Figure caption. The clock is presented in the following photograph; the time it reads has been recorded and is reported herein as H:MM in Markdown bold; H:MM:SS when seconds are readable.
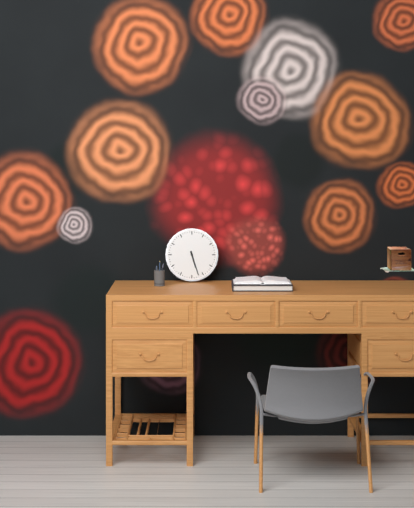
**5:27**
